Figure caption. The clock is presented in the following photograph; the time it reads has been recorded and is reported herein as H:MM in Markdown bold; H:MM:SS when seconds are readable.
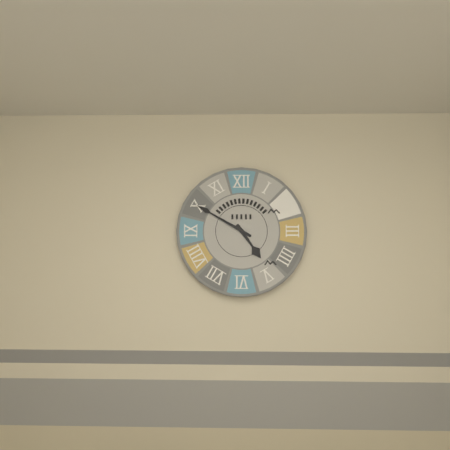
**4:50**
